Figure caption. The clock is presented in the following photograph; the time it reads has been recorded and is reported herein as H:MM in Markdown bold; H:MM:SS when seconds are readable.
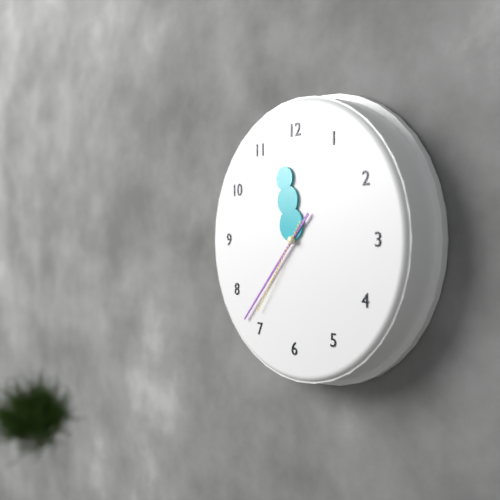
**11:37:36**
